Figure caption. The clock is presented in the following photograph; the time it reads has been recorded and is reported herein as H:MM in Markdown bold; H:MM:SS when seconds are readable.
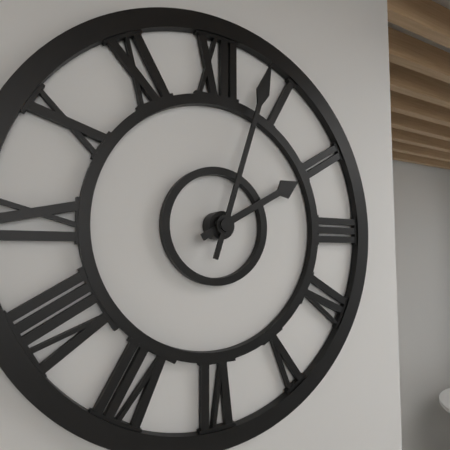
**2:03**
